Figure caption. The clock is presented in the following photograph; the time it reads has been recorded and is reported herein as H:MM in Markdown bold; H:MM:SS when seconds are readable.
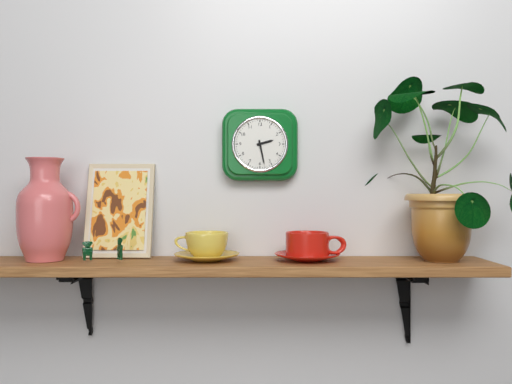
**2:28**
